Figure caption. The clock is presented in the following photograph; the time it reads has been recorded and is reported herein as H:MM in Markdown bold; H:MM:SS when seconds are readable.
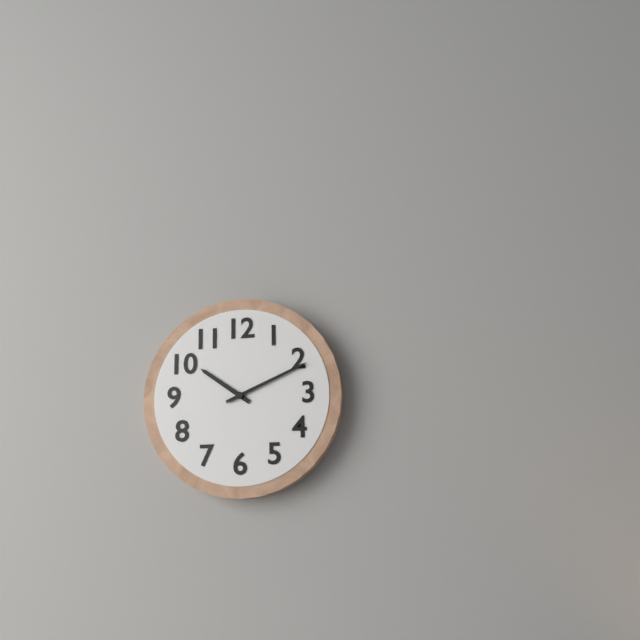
**10:11**
